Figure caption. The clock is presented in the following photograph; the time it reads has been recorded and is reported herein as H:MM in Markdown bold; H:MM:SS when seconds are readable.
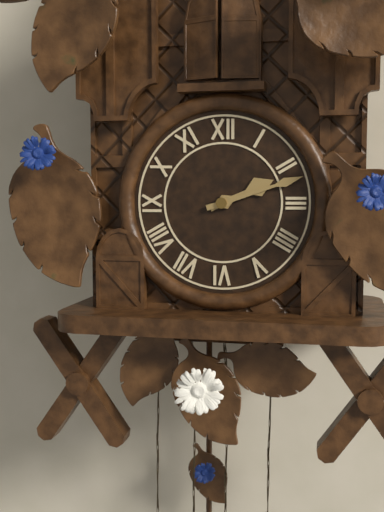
**2:12**
